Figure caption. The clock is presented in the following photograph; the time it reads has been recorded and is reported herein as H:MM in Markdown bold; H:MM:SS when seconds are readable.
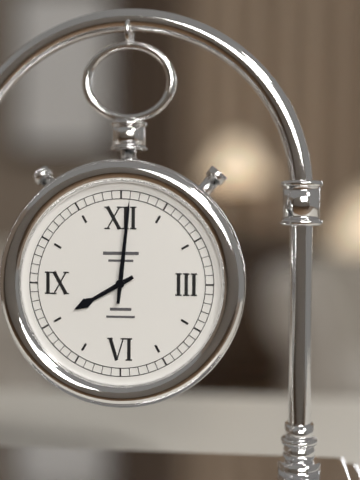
**8:01**
